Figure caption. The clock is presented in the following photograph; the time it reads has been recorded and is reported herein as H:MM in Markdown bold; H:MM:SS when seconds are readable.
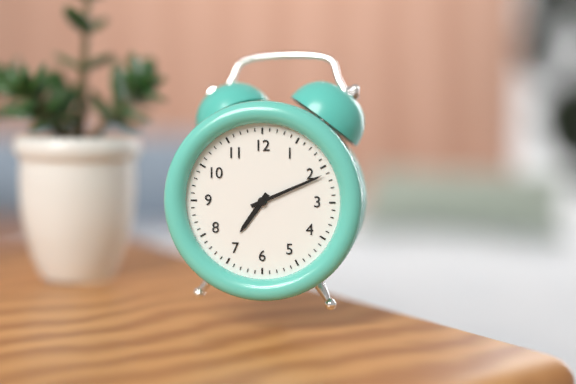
**7:11**
